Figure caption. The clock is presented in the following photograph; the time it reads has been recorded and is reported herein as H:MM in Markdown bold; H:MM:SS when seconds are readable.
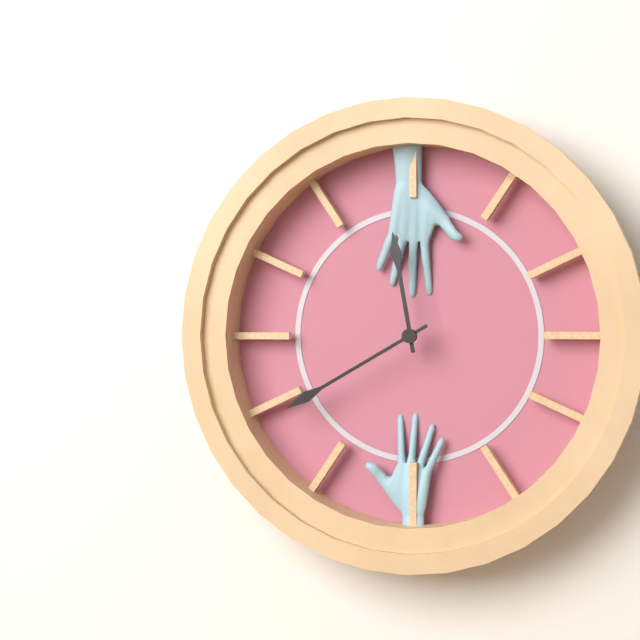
**11:40**
